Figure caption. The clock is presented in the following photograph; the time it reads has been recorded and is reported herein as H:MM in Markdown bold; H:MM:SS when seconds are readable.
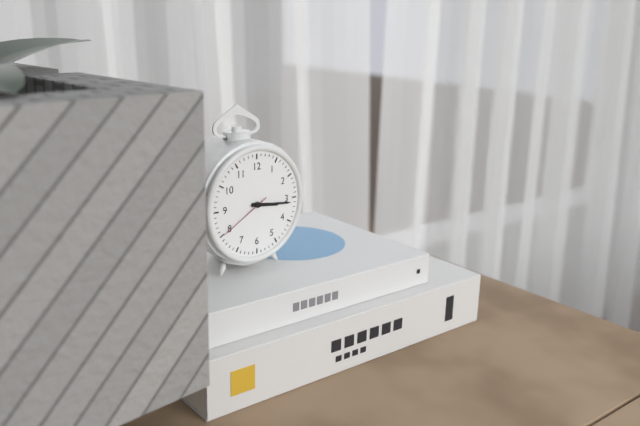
**3:16:40**
